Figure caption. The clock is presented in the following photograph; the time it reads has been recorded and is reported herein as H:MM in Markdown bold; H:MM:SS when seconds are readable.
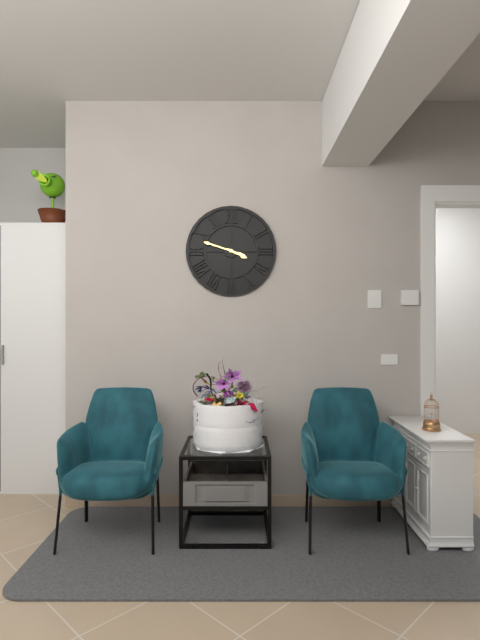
**3:48**
